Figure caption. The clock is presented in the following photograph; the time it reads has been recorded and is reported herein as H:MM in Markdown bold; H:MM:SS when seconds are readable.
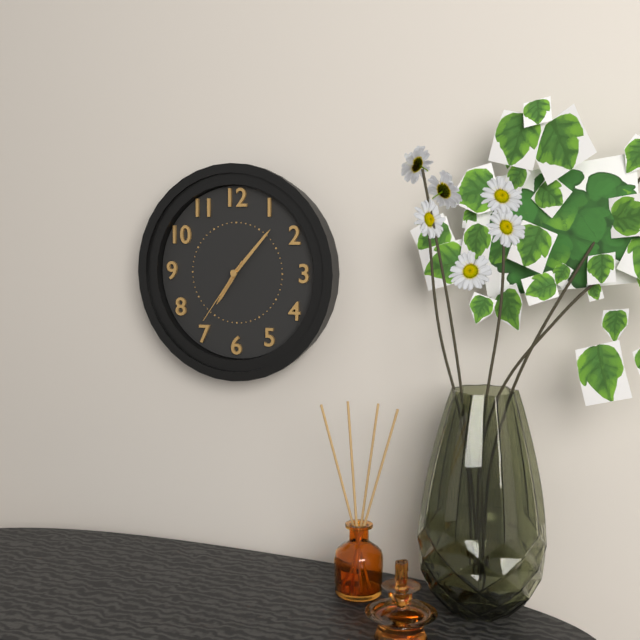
**7:07:36**
